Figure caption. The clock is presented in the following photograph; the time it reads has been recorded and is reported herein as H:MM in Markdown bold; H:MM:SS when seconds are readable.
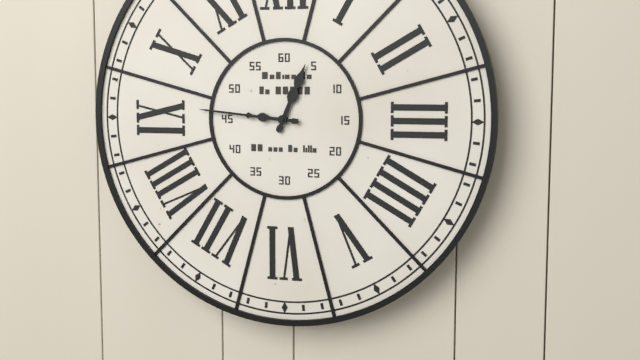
**12:46**
